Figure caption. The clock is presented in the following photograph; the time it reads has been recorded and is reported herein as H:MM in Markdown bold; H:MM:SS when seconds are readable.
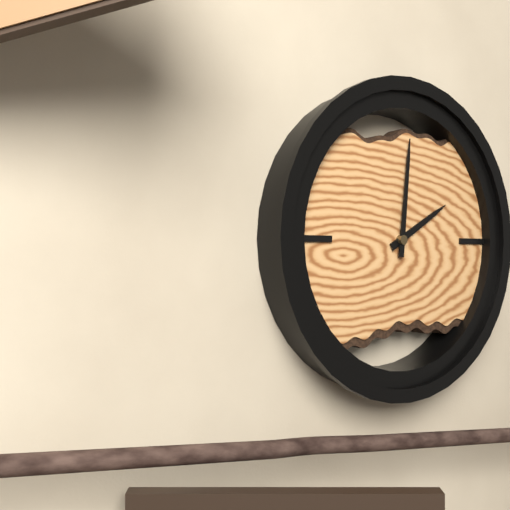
**2:01**
